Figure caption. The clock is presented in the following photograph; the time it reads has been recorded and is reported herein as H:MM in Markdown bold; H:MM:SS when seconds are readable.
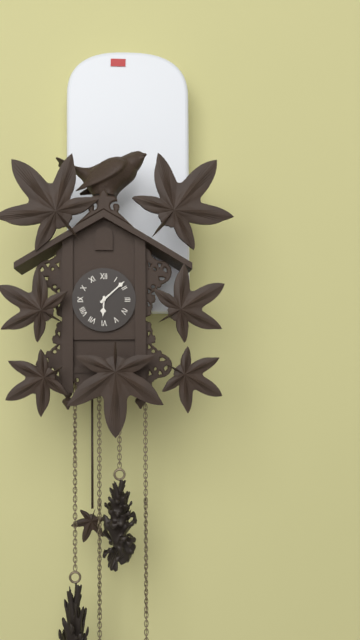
**6:08**
